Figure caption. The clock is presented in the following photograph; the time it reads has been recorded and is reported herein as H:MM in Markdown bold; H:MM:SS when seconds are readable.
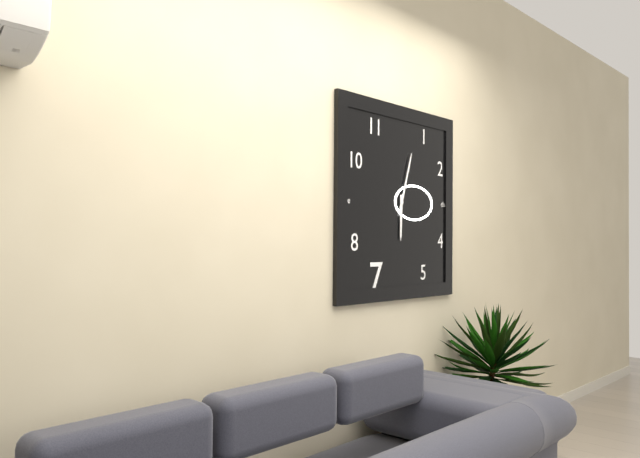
**6:03**
